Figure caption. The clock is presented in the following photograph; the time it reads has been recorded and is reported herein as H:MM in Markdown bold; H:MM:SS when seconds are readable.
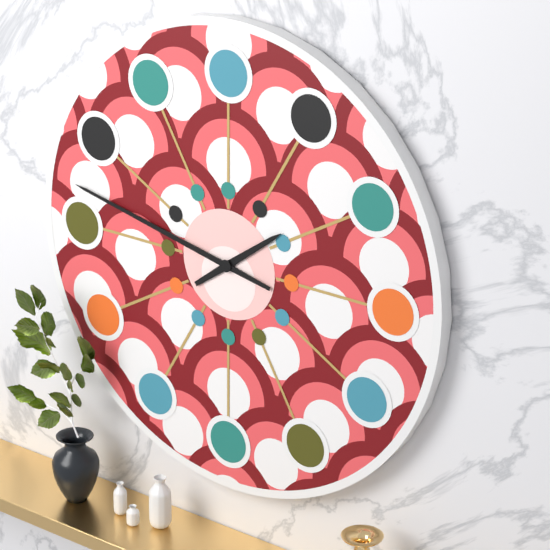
**1:47**
